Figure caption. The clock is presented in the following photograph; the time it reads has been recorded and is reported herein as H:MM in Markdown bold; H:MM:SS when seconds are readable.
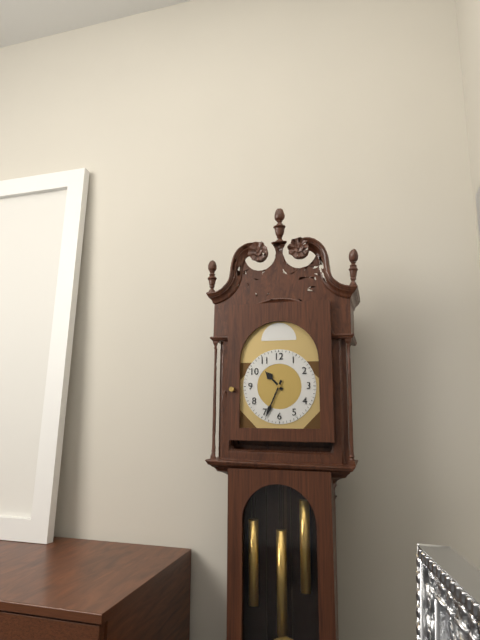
**10:34**
